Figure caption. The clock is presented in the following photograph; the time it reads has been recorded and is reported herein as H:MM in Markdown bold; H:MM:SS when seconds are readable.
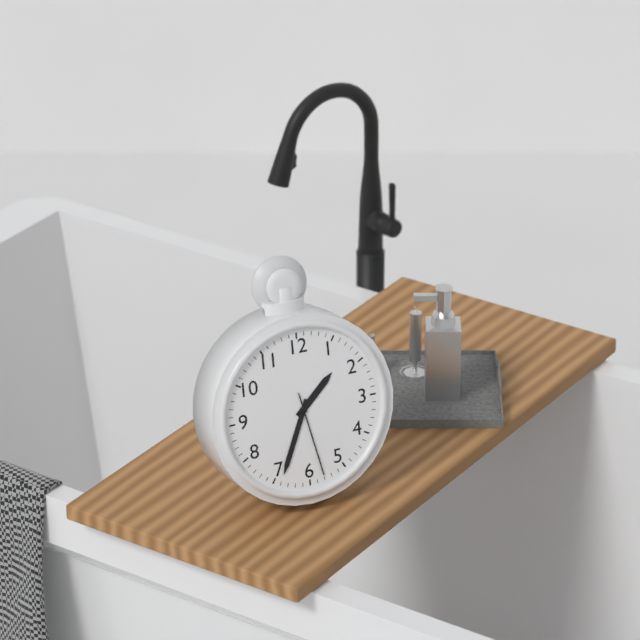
**1:34:28**
